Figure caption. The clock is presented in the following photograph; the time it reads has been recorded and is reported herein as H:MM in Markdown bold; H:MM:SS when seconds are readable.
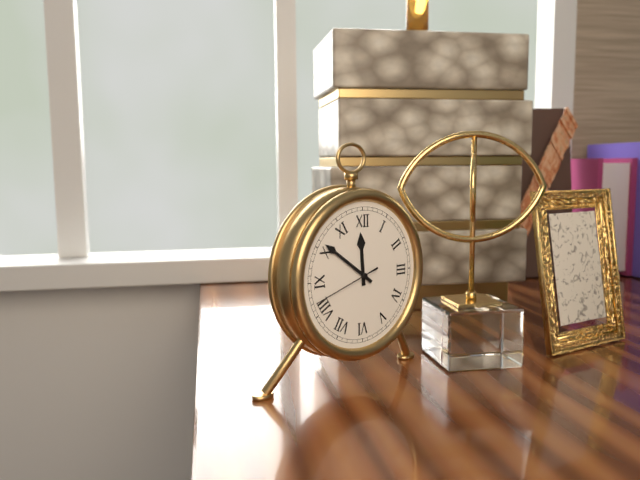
**11:51:42**
